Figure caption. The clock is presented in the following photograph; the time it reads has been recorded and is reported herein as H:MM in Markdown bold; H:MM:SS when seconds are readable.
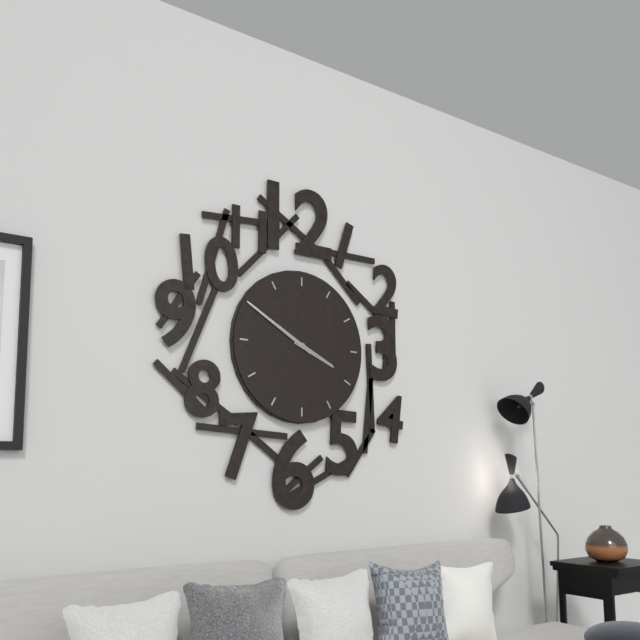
**3:50**
